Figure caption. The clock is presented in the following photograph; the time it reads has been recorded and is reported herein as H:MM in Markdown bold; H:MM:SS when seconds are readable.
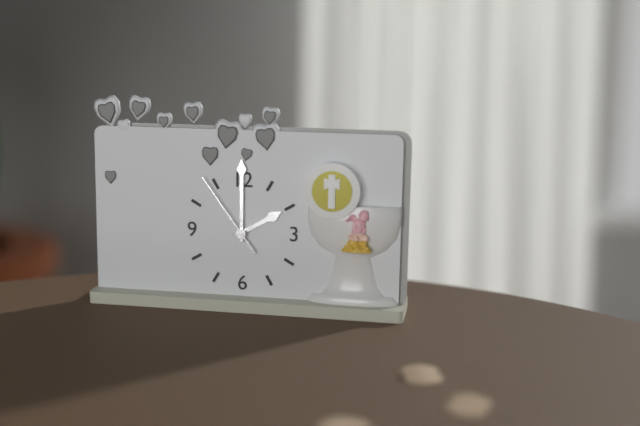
**2:00:54**
